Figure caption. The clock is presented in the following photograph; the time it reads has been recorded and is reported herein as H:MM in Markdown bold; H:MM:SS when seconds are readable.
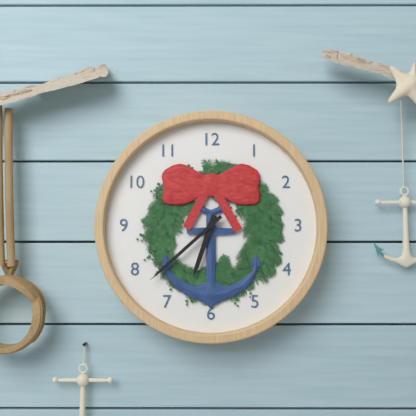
**6:38**
